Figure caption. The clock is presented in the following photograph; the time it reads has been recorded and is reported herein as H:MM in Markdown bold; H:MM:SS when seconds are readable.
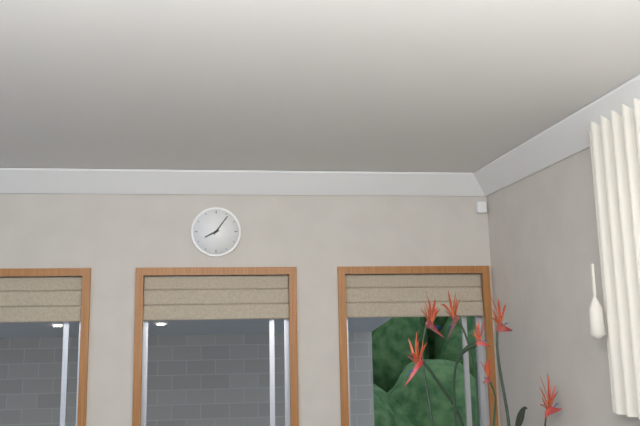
**8:06**
